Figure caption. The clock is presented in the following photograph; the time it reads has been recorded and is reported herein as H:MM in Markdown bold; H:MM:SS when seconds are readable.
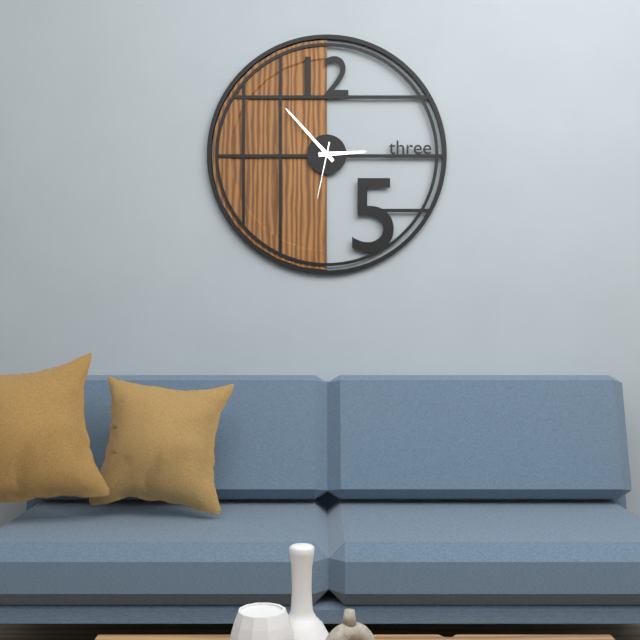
**2:53:32**
